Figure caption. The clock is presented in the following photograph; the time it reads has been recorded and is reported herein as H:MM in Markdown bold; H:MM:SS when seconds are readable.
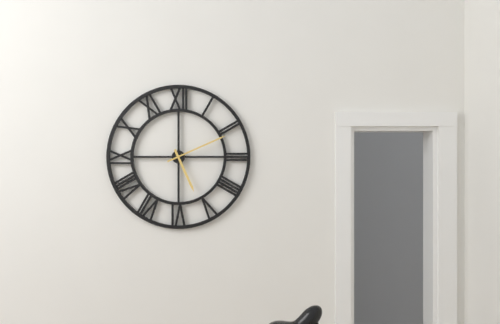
**5:11**
